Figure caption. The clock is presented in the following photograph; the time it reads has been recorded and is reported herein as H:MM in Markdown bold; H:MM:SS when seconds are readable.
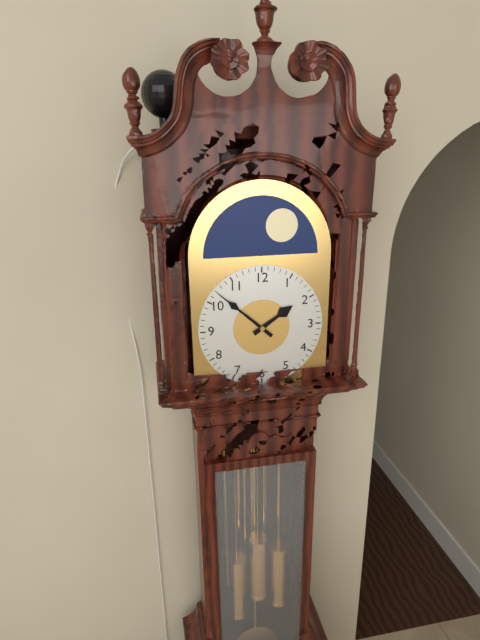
**1:52**
